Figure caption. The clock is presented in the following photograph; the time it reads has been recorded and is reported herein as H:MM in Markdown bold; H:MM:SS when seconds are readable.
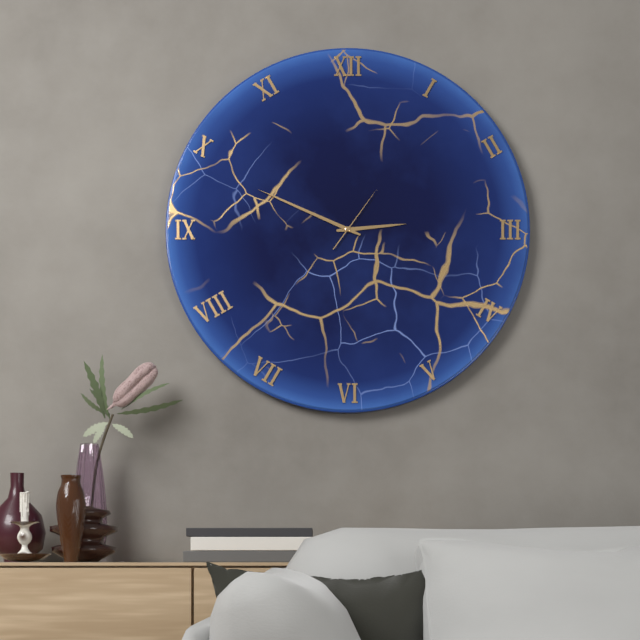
**2:49:06**
